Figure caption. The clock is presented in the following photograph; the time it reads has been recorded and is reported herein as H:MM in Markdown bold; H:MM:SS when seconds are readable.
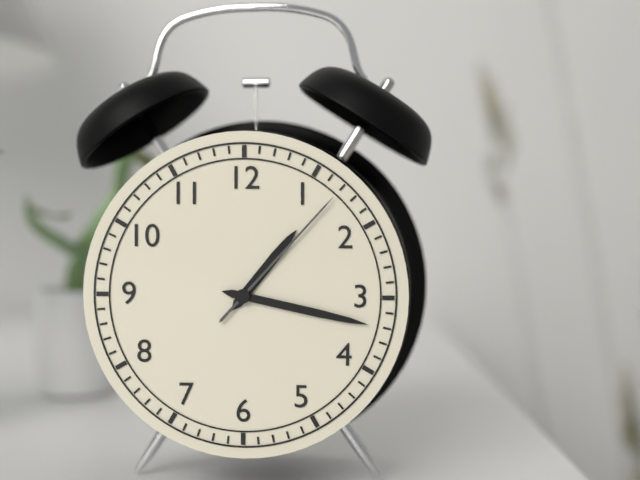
**1:17:07**
